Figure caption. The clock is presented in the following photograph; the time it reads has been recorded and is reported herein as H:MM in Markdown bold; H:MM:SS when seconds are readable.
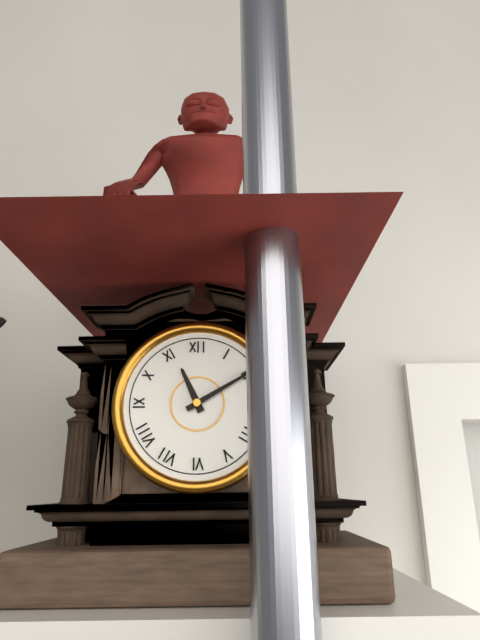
**11:10**
